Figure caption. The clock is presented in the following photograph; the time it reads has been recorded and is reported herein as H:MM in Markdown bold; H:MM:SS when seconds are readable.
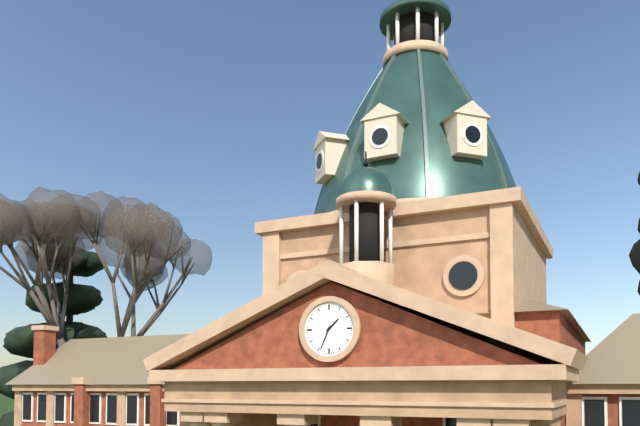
**1:34**
